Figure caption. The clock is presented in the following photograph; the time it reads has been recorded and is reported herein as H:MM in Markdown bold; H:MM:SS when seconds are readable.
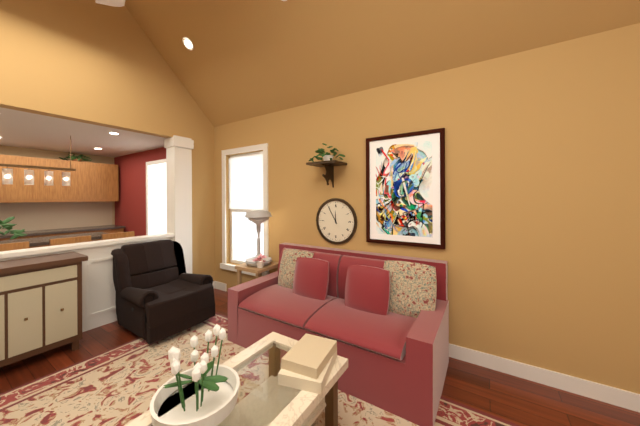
**11:55**
